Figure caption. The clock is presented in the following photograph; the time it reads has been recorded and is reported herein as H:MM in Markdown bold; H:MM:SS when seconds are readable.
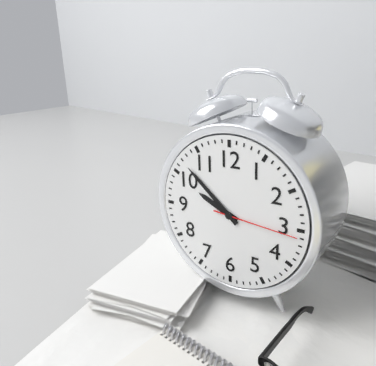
**9:52:16**
